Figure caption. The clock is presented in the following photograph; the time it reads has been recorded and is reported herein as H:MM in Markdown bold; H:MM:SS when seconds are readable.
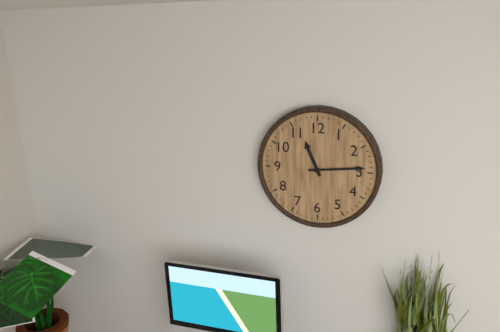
**11:14**
